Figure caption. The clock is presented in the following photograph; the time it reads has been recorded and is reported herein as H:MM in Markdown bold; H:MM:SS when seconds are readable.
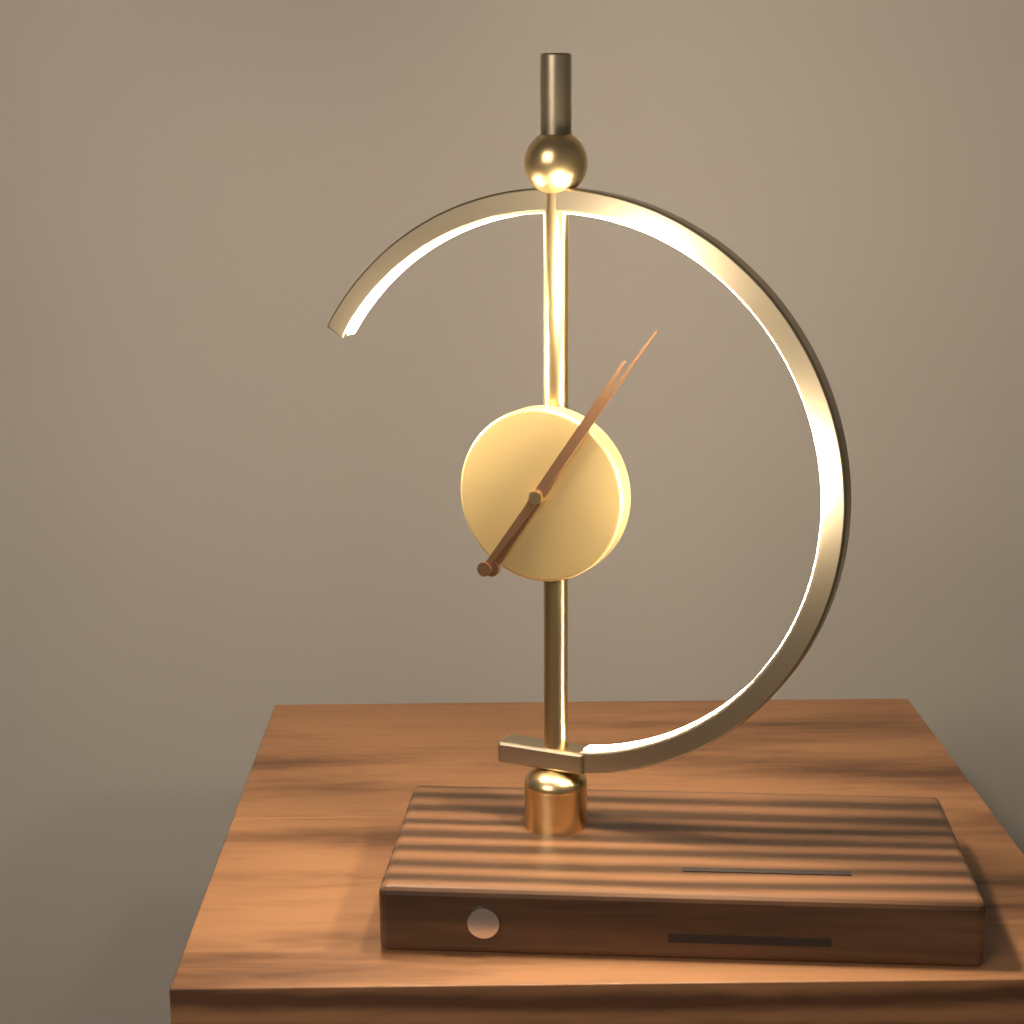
**1:06**
